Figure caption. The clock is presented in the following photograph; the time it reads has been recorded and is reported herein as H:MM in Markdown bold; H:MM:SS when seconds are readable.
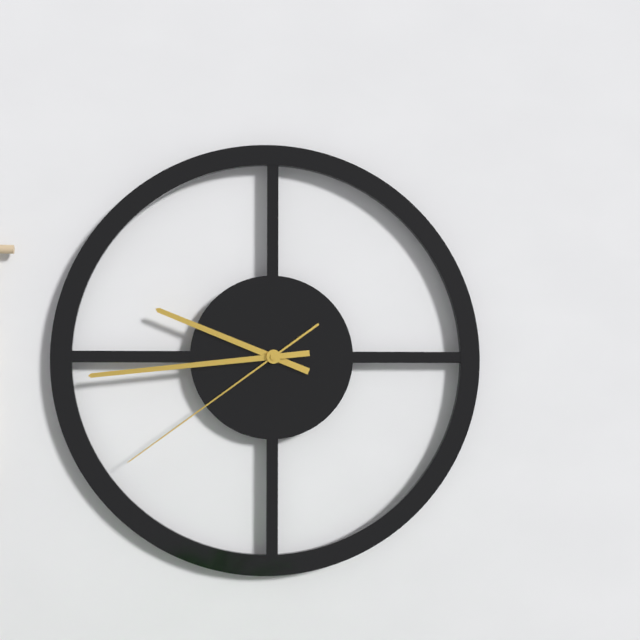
**9:44:39**
